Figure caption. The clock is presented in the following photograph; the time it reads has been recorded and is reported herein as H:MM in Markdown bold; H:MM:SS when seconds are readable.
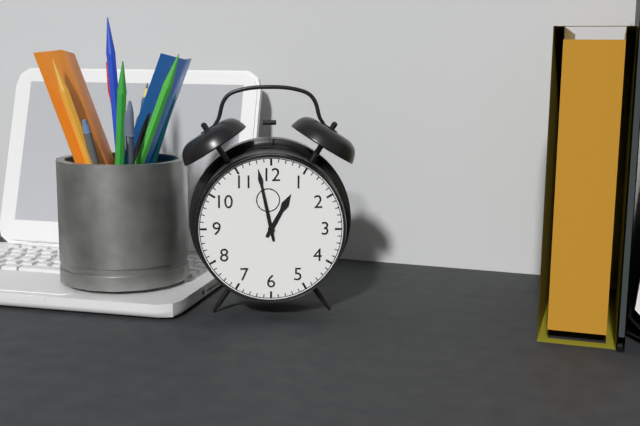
**12:58**
